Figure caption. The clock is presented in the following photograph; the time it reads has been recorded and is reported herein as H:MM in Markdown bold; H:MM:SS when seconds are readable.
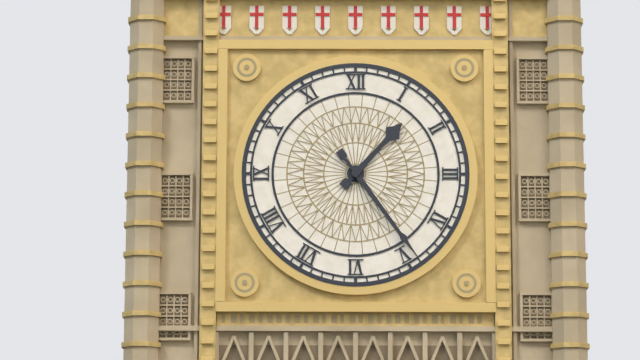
**1:24**
